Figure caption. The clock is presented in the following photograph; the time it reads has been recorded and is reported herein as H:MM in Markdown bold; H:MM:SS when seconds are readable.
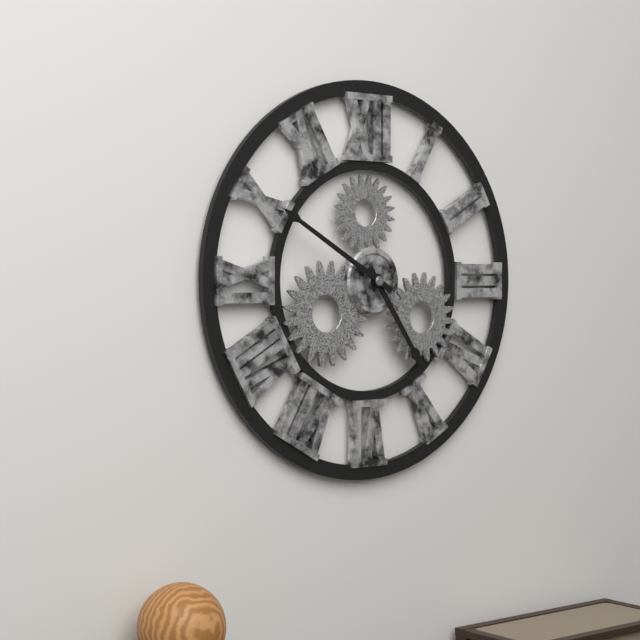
**4:50**
